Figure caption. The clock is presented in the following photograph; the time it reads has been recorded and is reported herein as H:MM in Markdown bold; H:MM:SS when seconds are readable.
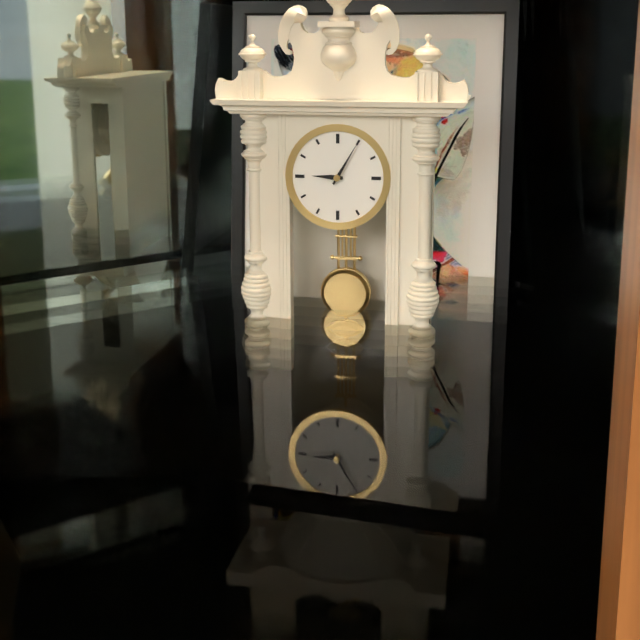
**9:05**
